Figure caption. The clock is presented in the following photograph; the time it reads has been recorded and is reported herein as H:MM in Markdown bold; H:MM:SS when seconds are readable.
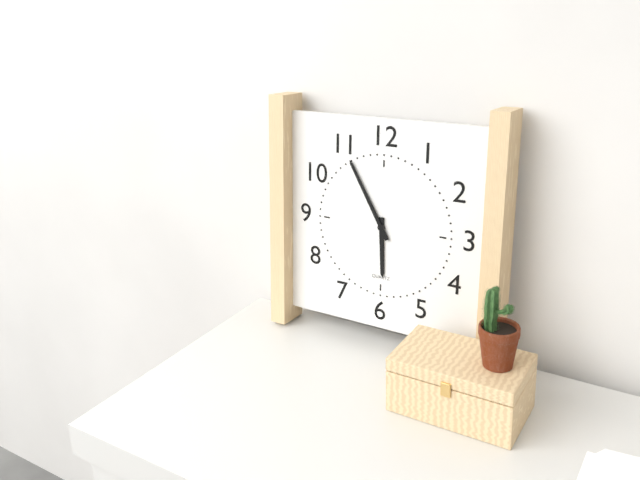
**5:55**
